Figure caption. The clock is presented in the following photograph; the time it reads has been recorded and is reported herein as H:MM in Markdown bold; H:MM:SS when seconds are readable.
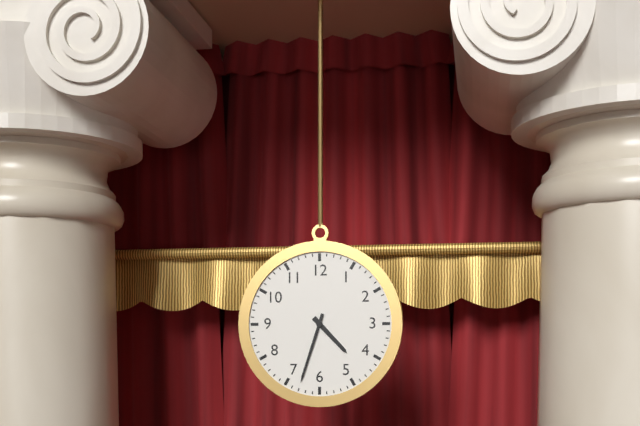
**4:33**
